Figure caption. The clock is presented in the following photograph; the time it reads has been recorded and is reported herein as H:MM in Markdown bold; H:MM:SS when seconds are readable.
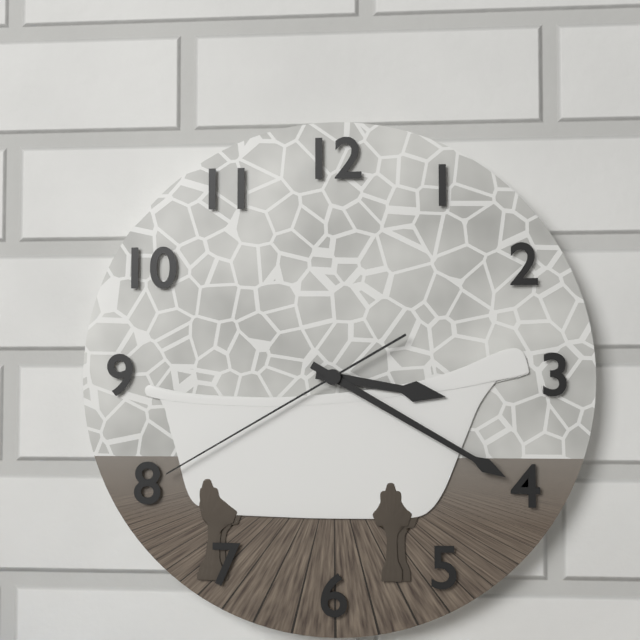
**3:20:40**
